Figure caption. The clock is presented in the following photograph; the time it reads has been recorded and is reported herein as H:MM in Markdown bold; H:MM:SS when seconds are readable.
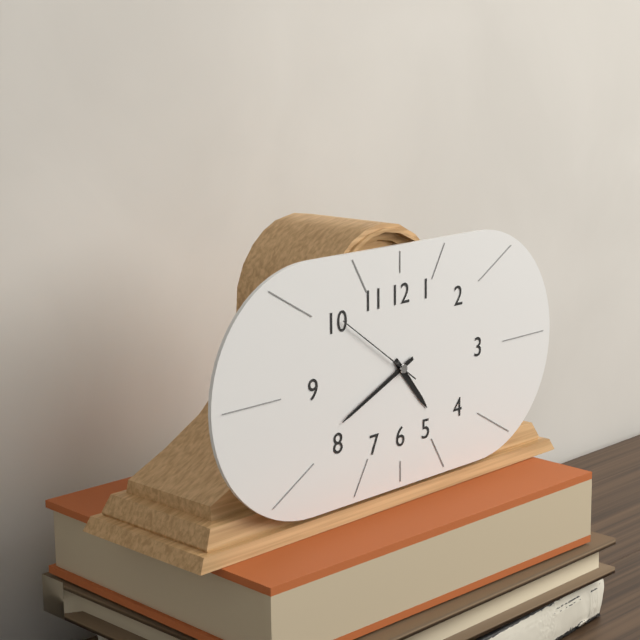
**4:41:51**
